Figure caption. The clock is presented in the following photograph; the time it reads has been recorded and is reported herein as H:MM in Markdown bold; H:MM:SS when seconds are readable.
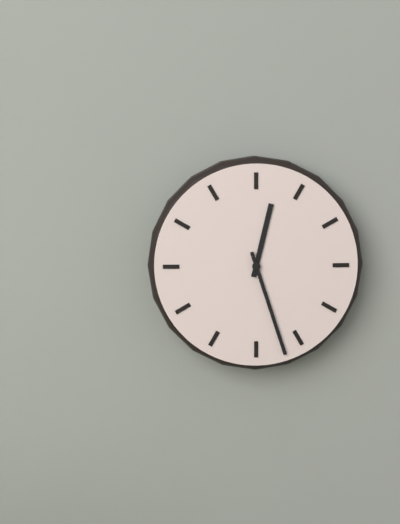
**12:27**
